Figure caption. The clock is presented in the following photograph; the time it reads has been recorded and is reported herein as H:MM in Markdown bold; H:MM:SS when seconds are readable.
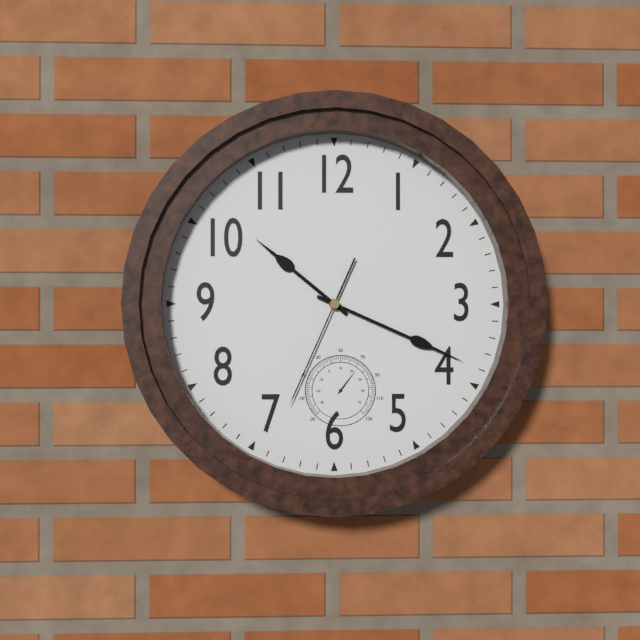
**10:19:34**
